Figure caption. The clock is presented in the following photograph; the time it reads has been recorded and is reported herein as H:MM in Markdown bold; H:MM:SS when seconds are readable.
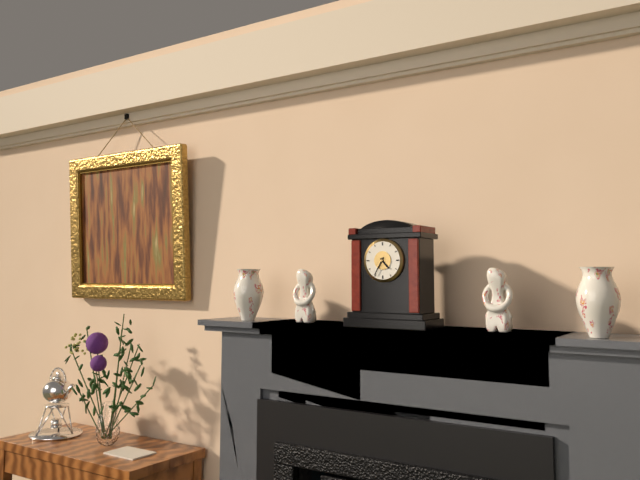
**4:35**
